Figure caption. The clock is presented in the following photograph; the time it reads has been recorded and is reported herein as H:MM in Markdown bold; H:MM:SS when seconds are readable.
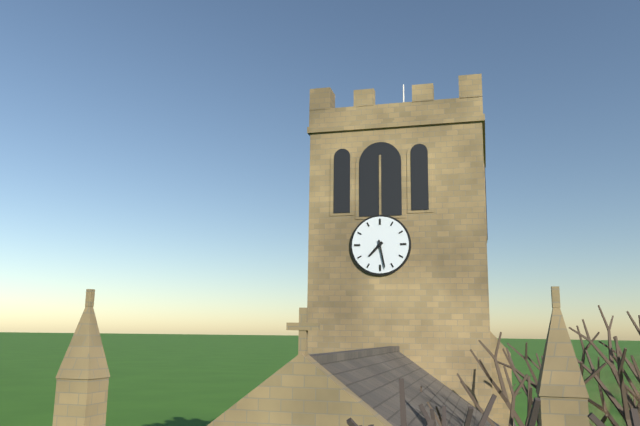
**7:28**
